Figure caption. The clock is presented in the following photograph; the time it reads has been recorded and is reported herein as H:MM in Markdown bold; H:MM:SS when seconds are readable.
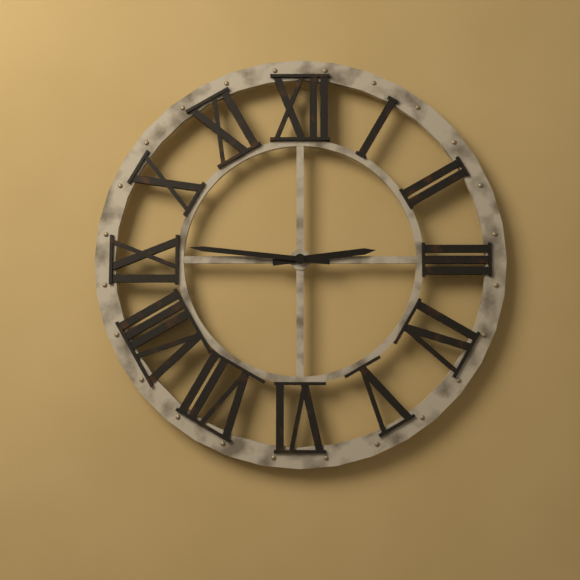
**2:46**
